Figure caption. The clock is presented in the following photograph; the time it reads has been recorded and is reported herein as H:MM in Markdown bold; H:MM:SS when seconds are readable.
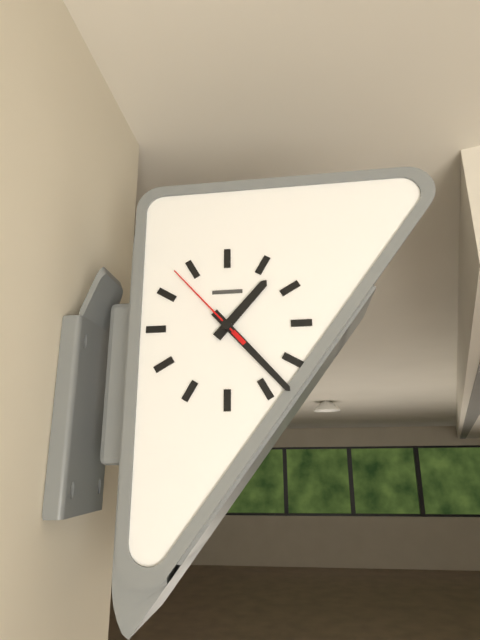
**1:23:53**
